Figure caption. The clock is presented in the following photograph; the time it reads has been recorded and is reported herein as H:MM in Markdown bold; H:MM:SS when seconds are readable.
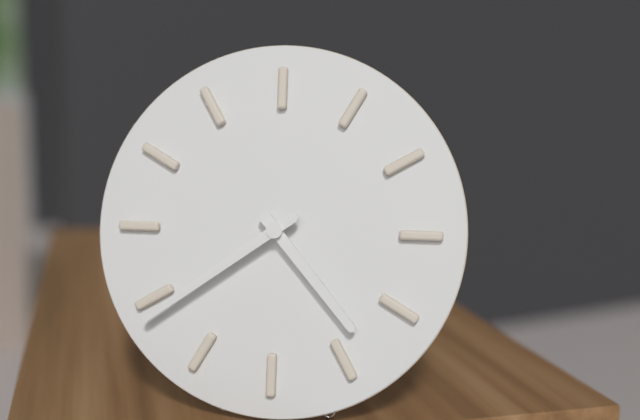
**4:39**
